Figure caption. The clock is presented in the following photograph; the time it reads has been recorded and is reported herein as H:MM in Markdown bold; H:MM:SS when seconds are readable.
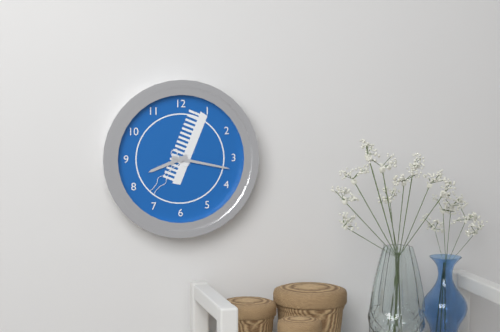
**8:17**
